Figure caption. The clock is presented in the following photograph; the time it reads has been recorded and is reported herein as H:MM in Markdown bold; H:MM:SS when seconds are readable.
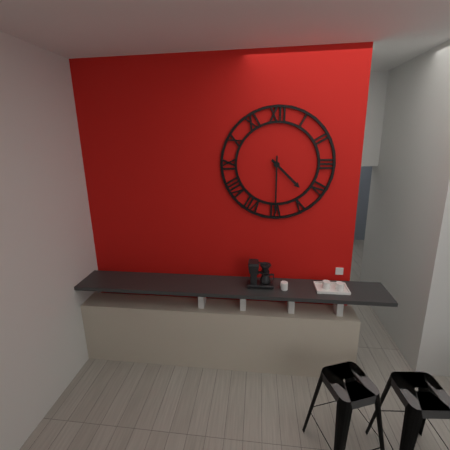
**4:30**
